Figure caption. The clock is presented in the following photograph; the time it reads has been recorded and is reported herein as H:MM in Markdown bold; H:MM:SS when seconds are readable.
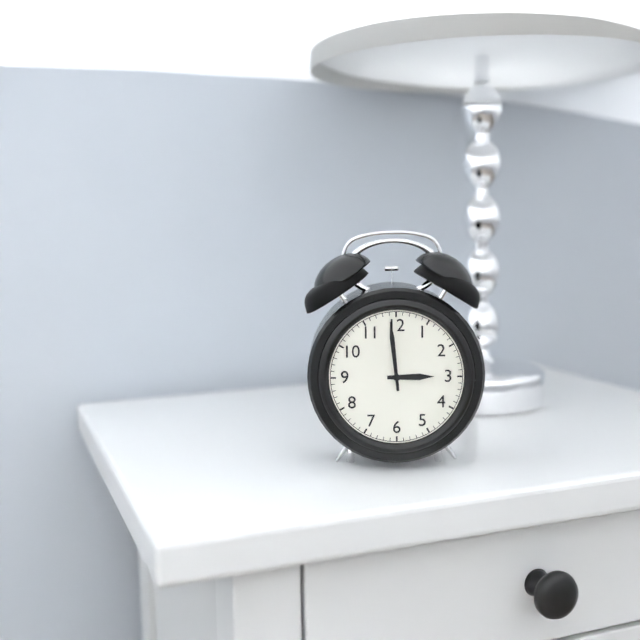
**2:59**
